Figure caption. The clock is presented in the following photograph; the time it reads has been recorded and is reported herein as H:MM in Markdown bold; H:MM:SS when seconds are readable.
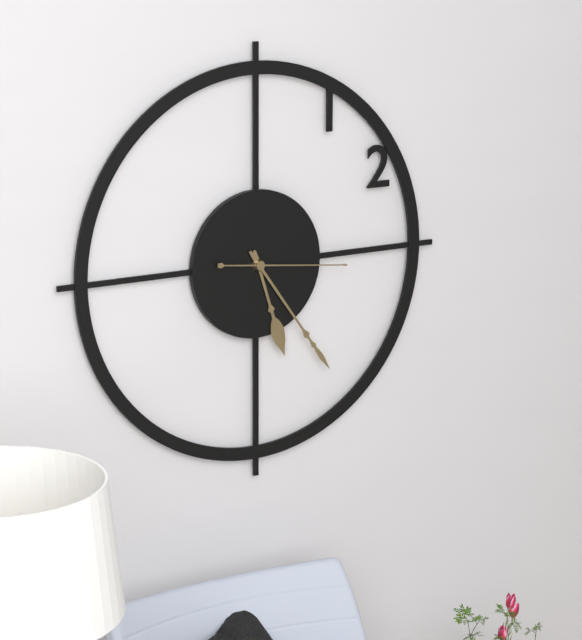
**5:24:16**
